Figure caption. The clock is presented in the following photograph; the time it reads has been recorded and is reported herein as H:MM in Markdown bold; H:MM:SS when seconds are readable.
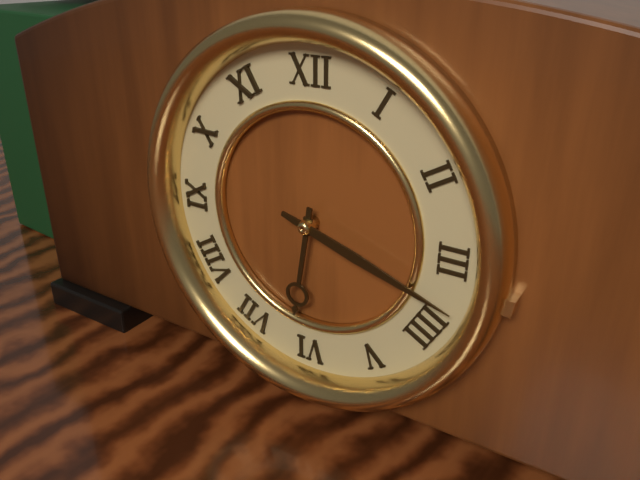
**6:18**
